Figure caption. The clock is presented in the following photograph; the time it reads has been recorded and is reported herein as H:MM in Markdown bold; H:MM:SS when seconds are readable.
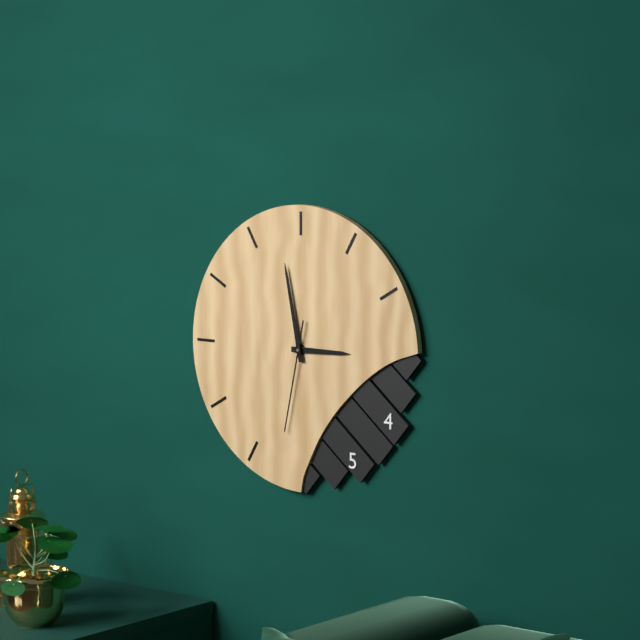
**2:58:32**
